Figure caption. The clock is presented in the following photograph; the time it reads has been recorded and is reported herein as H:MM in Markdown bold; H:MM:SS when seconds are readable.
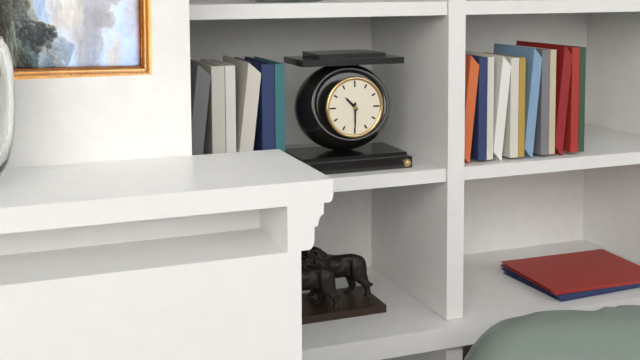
**10:30**
